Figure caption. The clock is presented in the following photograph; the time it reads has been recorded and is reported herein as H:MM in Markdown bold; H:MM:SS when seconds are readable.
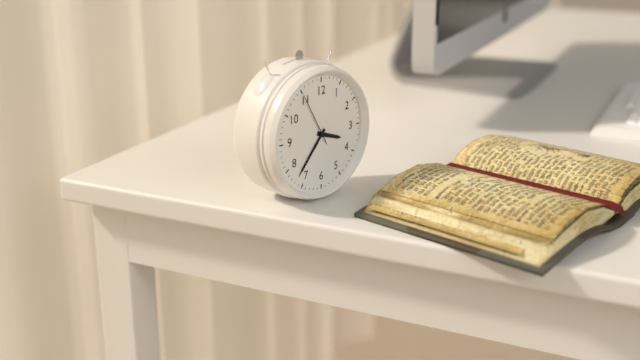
**3:37:55**
